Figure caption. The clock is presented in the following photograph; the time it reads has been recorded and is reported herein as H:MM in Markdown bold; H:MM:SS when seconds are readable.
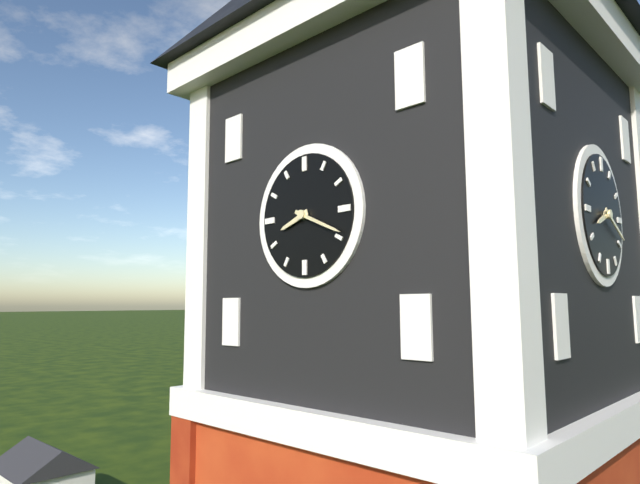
**8:19**
